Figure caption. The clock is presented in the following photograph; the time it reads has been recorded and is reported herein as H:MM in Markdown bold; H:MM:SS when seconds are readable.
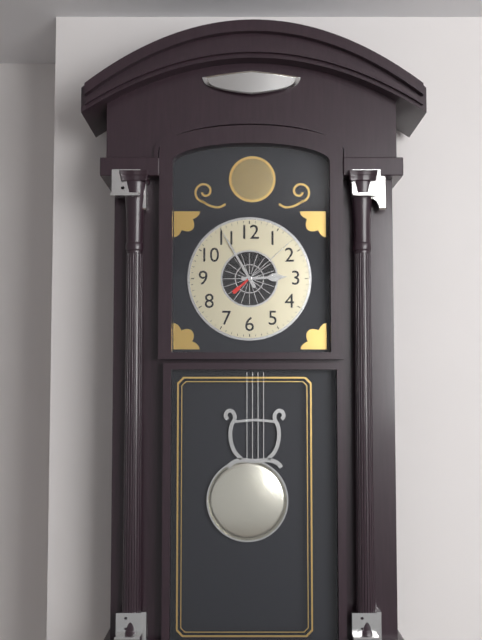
**2:55:08**
